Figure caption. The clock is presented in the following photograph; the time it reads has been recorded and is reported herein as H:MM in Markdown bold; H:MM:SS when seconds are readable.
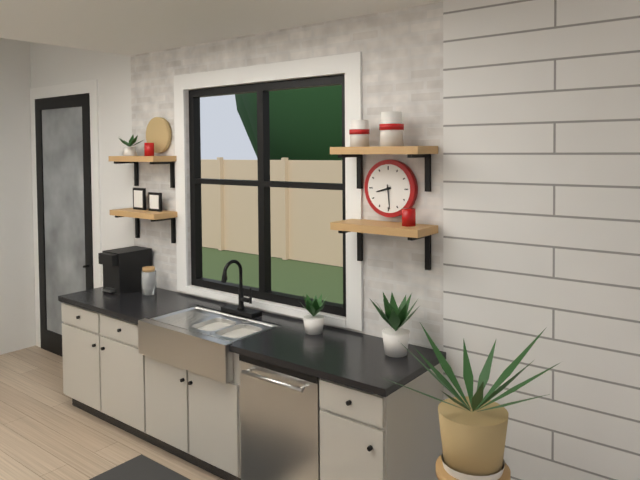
**8:29**
